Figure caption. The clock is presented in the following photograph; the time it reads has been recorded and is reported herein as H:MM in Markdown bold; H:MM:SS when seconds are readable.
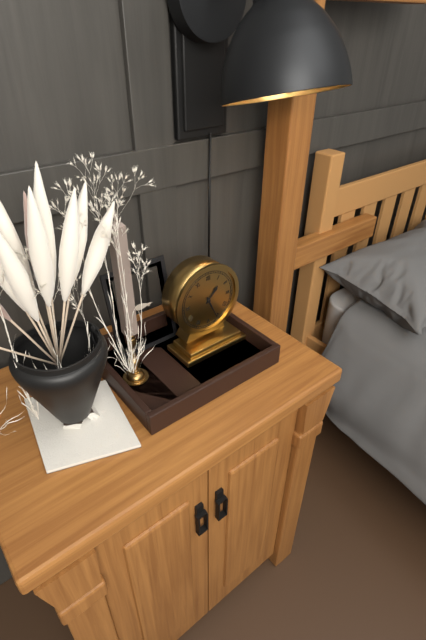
**1:26**
